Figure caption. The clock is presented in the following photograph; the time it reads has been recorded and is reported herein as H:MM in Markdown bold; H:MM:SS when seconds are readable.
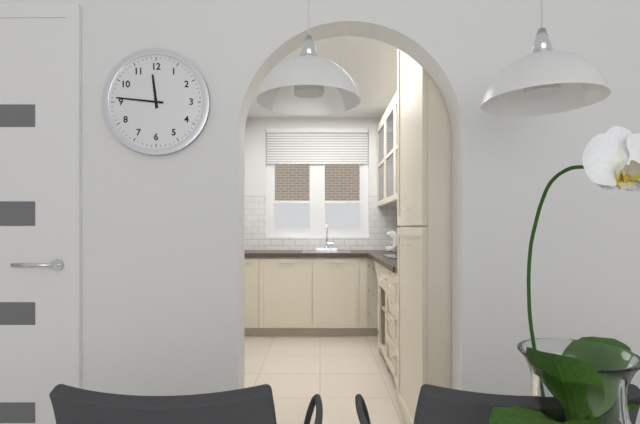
**11:46**
